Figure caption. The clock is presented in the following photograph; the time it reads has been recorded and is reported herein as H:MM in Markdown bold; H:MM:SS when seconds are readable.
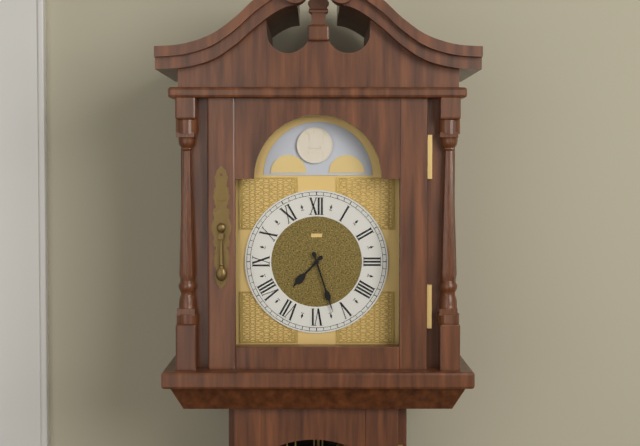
**7:27**
